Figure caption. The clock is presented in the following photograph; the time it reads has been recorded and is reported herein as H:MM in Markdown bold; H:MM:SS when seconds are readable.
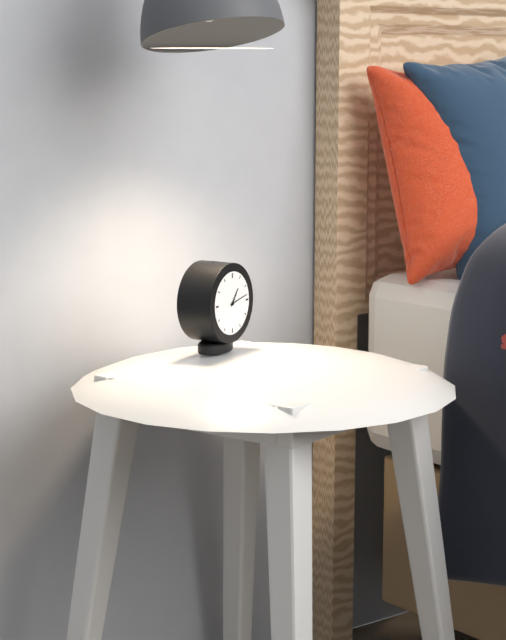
**1:13**
